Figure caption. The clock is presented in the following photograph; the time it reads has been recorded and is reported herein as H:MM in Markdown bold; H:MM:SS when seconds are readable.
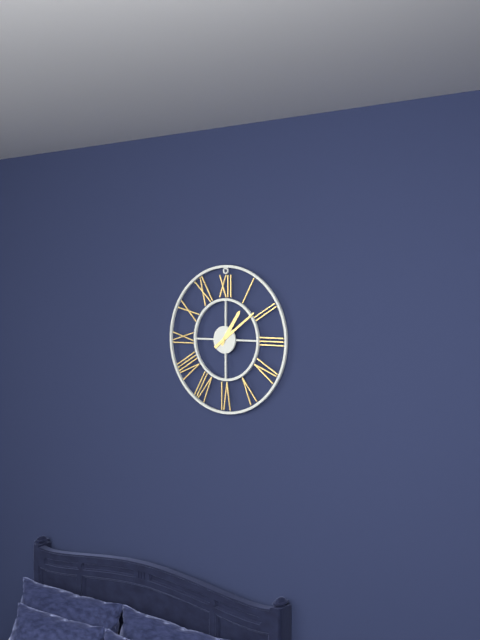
**1:09**
